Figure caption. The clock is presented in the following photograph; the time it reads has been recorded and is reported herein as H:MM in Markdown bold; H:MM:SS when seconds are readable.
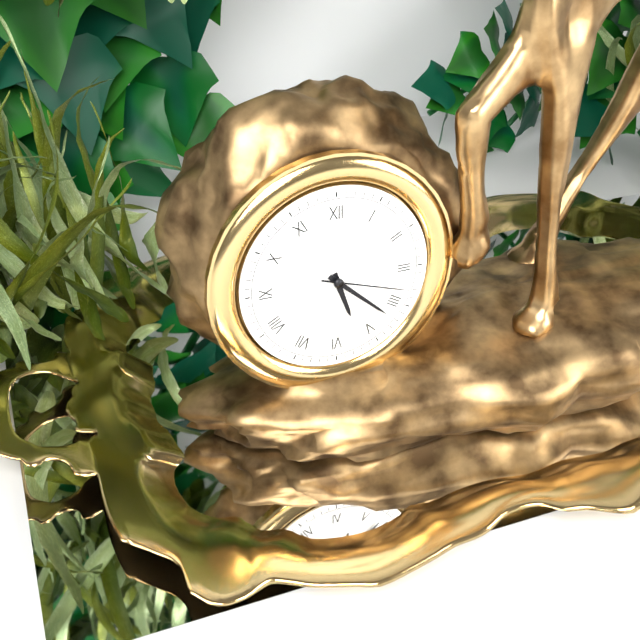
**5:22:18**
